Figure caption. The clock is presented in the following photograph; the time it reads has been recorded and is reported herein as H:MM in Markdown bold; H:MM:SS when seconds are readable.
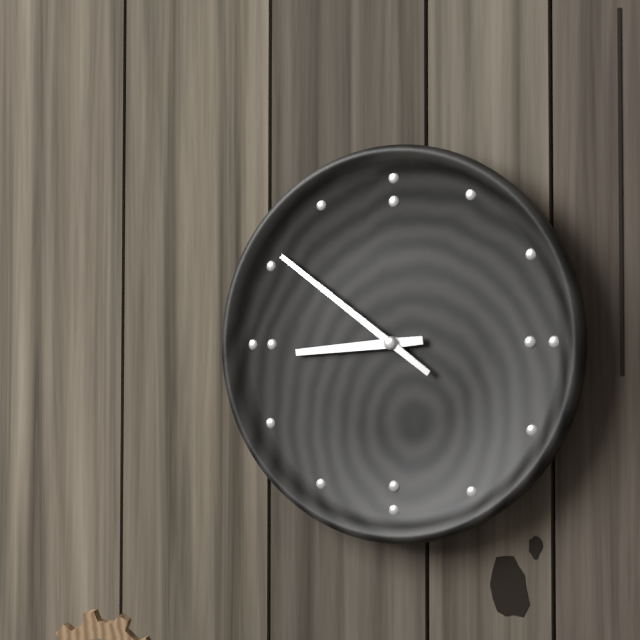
**8:51**
